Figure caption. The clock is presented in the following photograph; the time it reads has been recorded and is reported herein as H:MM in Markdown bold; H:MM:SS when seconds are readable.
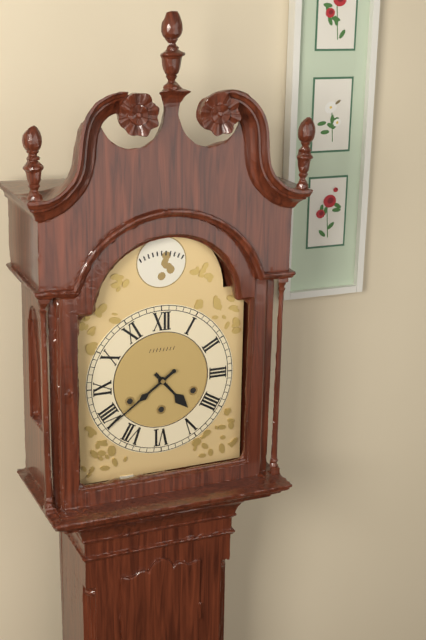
**4:39**
